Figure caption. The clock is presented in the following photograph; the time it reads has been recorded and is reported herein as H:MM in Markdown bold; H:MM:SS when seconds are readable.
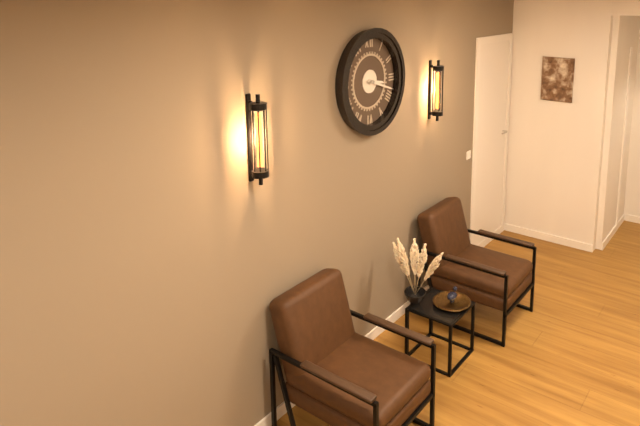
**3:18**
